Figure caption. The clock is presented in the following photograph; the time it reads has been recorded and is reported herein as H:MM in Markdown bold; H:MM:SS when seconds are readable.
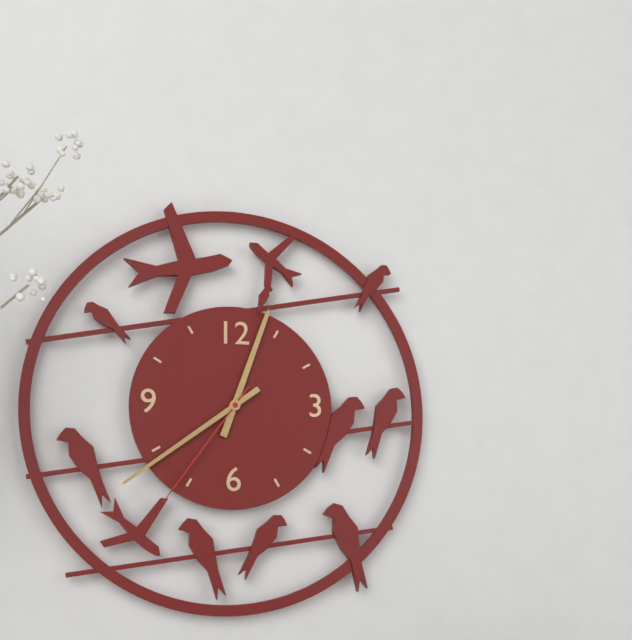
**12:39:36**
